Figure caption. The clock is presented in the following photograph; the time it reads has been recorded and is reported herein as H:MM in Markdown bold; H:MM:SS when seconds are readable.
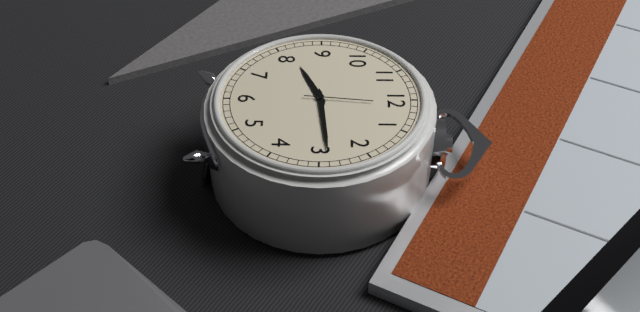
**8:14:01**
